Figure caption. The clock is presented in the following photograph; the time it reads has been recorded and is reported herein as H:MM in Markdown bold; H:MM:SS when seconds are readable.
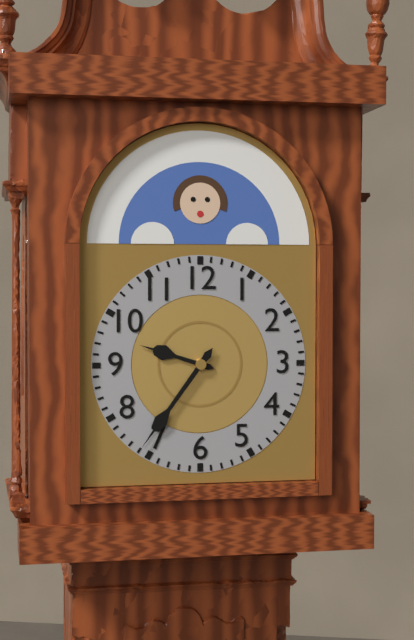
**9:36**
